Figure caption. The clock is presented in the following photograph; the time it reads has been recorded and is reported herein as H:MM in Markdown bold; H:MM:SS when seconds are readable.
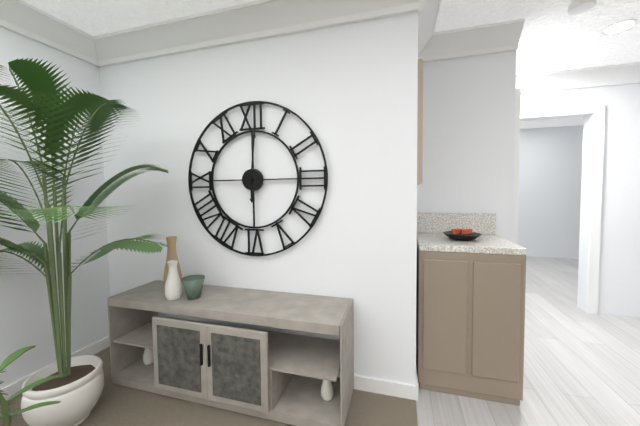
**6:01**
